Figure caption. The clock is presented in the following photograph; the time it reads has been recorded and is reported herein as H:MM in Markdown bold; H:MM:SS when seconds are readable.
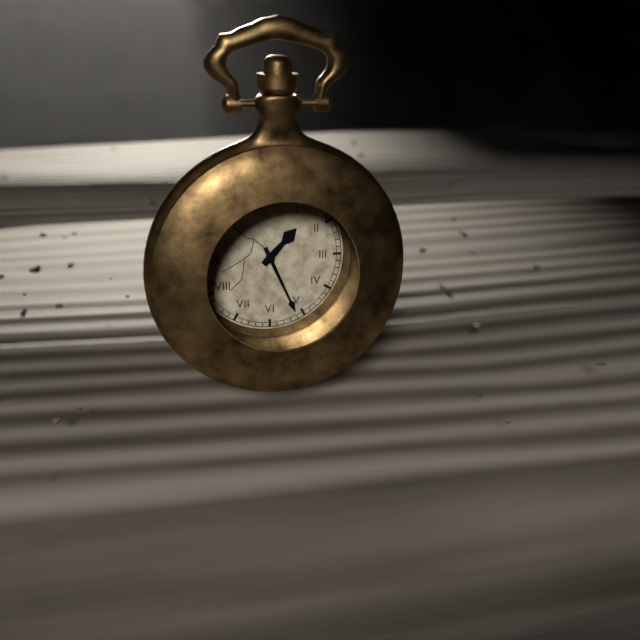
**1:26**
